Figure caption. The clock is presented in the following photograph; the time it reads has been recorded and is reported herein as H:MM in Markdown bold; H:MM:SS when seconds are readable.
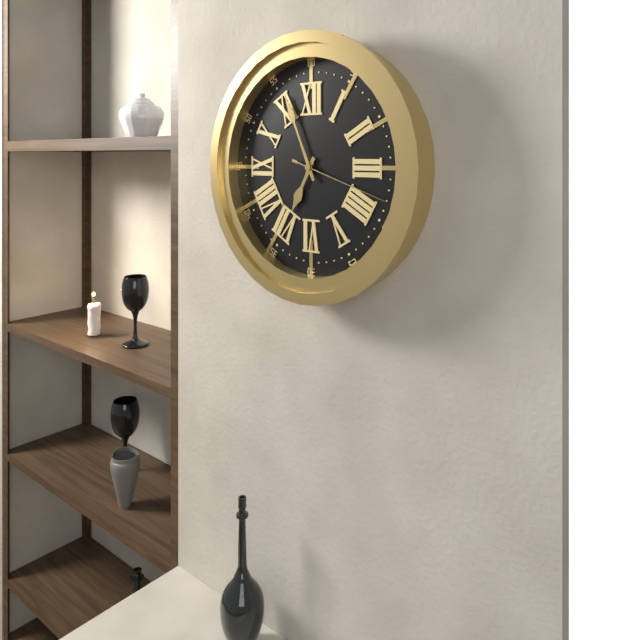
**6:56:18**
